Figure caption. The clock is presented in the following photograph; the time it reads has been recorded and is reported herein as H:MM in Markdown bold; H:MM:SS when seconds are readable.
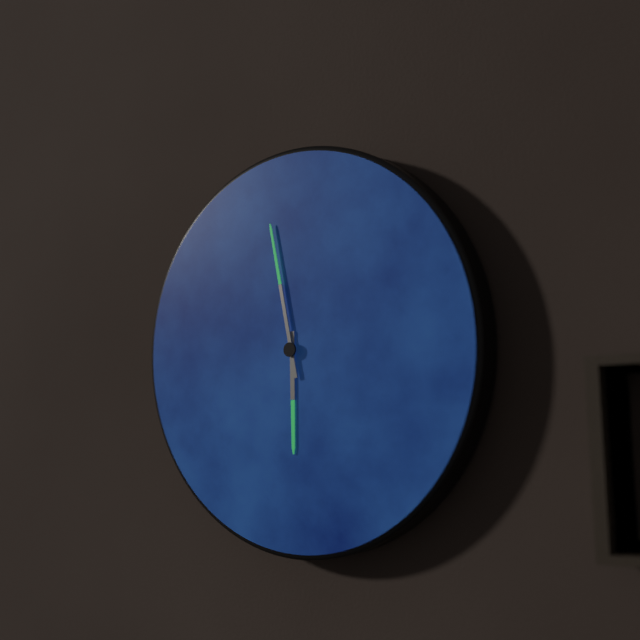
**5:58**
